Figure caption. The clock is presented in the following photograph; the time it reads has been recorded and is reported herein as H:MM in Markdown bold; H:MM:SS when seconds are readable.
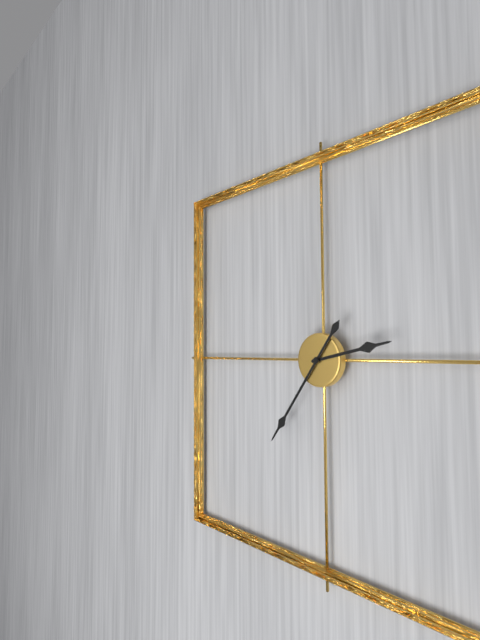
**2:36**
